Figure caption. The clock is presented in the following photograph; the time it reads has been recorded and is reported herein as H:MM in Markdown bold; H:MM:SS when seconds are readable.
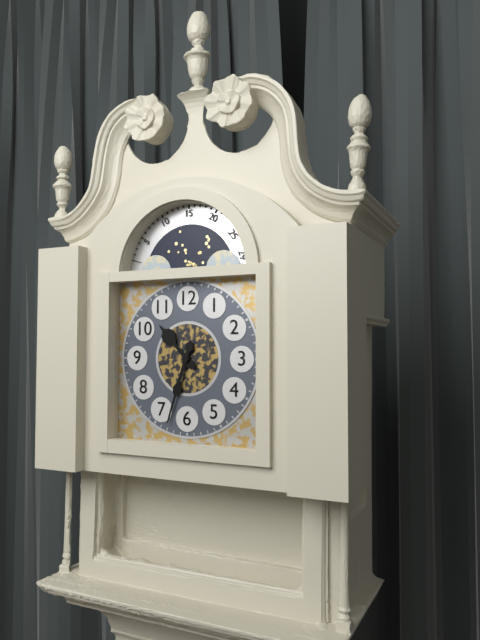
**10:33**
